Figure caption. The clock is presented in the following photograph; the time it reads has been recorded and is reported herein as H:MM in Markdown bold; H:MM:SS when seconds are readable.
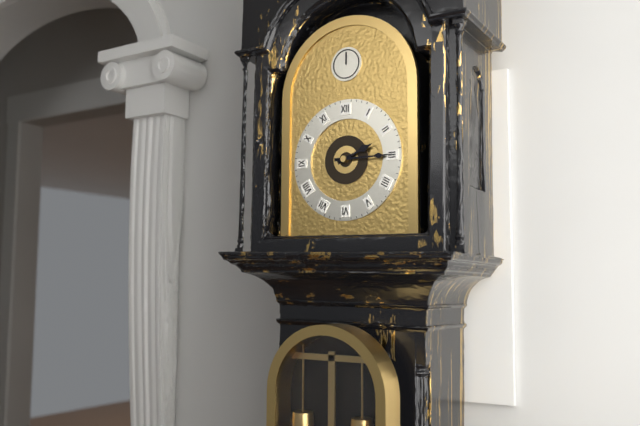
**2:15**
